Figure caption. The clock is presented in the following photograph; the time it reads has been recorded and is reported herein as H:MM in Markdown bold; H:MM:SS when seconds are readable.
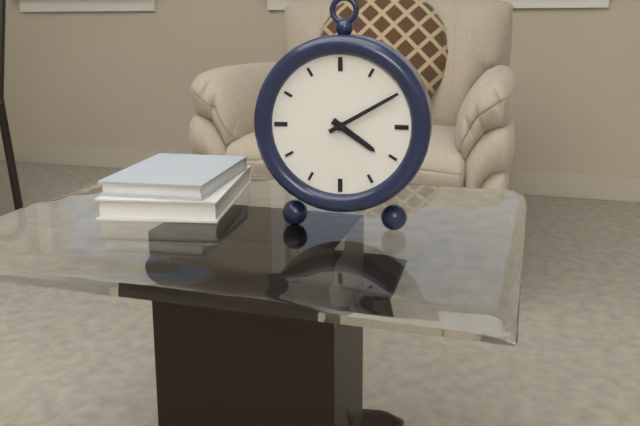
**4:10**
